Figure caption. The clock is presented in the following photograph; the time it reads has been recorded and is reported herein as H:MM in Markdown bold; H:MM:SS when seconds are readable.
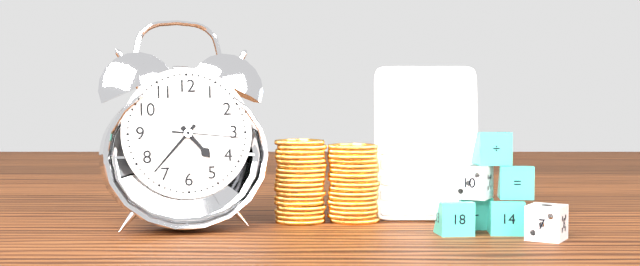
**4:37:16**
